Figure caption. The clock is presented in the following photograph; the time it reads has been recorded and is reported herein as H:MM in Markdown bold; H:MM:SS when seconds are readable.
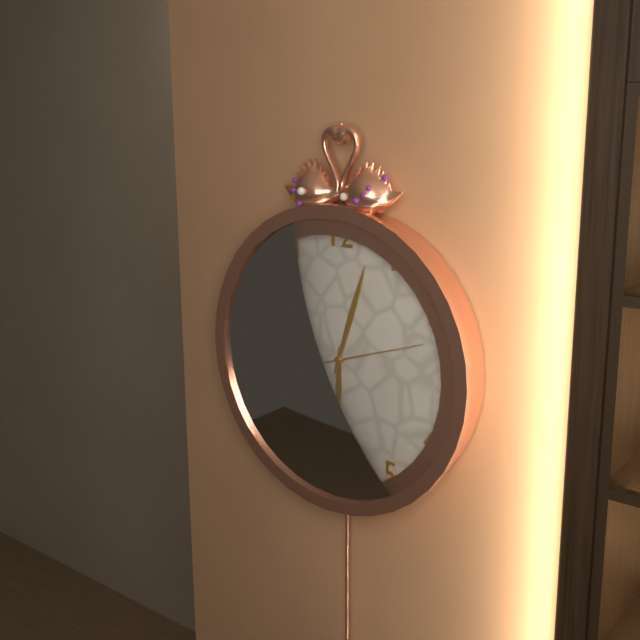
**6:03:12**
